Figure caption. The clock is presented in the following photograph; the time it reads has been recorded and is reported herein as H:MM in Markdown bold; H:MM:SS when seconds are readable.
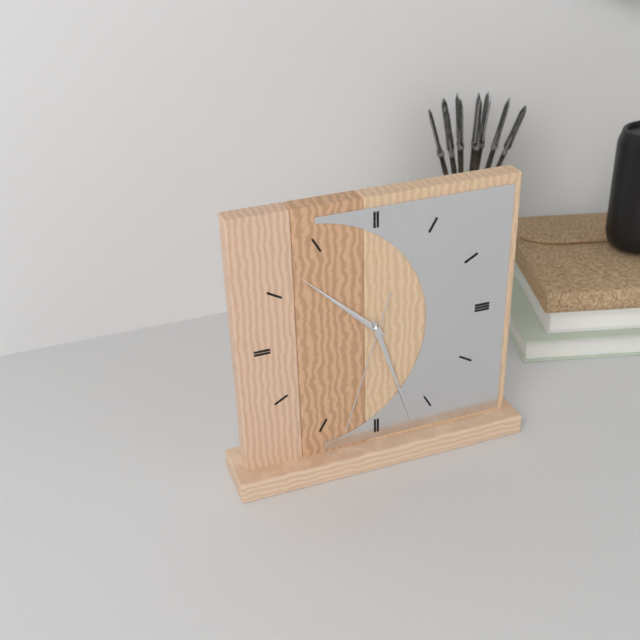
**10:27:33**
